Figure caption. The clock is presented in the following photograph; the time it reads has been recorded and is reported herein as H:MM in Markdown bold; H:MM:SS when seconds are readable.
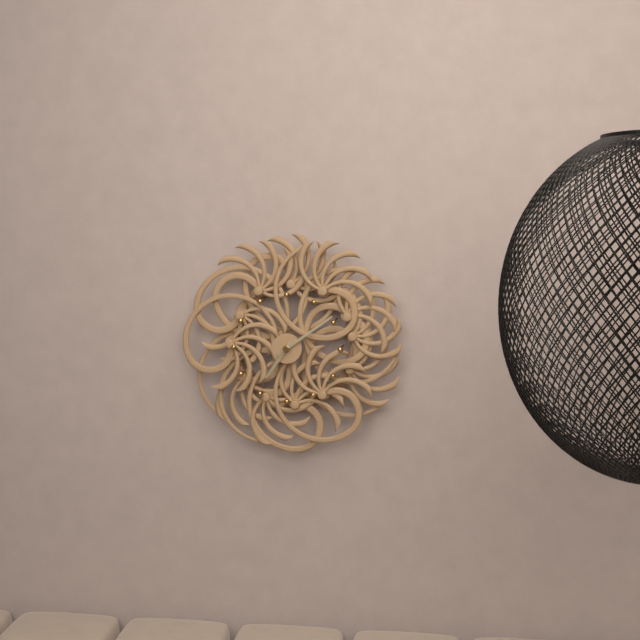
**7:09**
